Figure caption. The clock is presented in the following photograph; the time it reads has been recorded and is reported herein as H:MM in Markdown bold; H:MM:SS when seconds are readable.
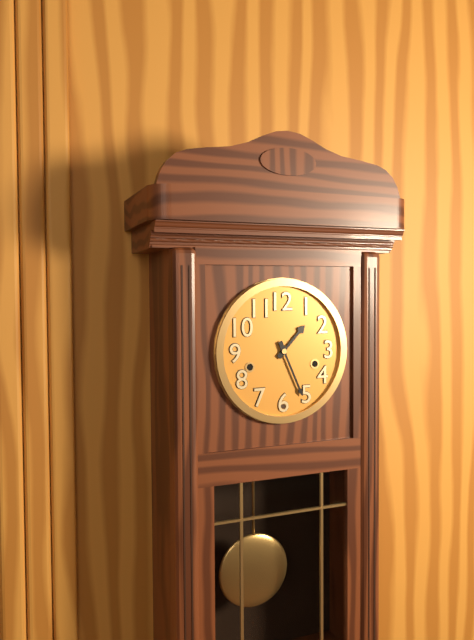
**1:26**
